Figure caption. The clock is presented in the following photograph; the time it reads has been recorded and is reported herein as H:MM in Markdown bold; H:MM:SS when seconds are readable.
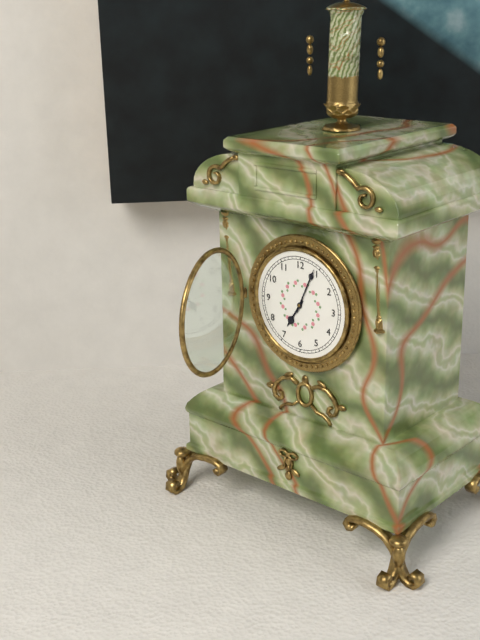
**7:04**
